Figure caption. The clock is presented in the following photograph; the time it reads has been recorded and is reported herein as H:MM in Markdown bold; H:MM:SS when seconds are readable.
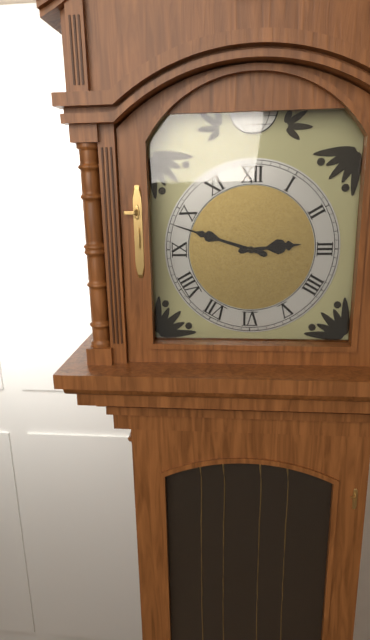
**2:48**
